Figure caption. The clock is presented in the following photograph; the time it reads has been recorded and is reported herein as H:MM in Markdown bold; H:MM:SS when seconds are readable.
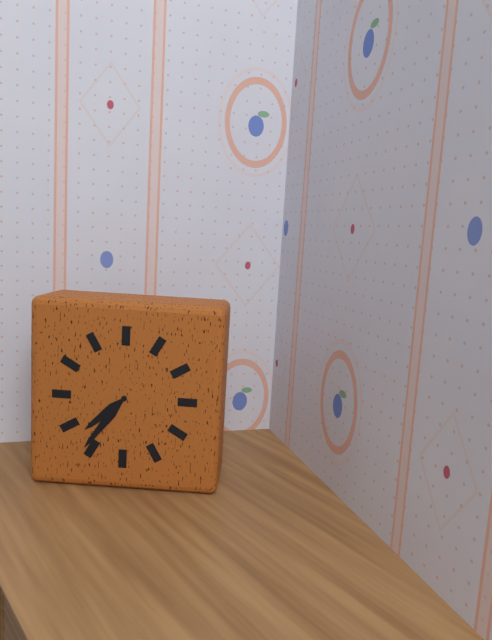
**7:36**
